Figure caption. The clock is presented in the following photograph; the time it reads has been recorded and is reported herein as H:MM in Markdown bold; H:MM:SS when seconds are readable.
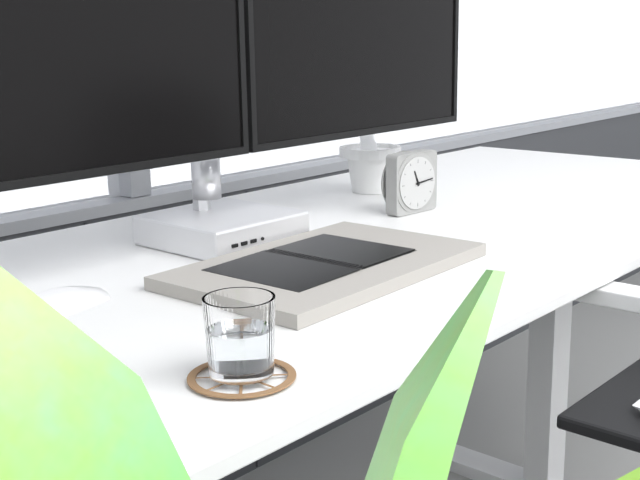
**11:14**
